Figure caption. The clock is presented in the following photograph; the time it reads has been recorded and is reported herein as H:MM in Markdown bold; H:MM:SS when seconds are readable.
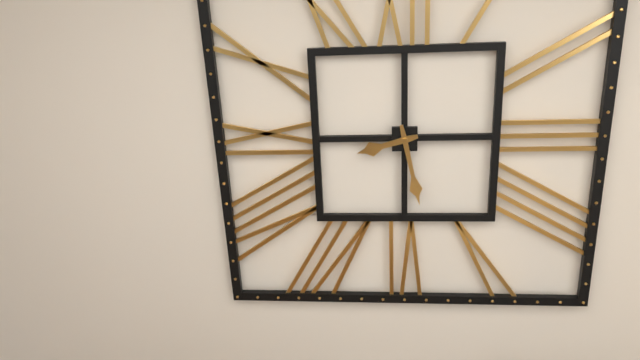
**8:28**
